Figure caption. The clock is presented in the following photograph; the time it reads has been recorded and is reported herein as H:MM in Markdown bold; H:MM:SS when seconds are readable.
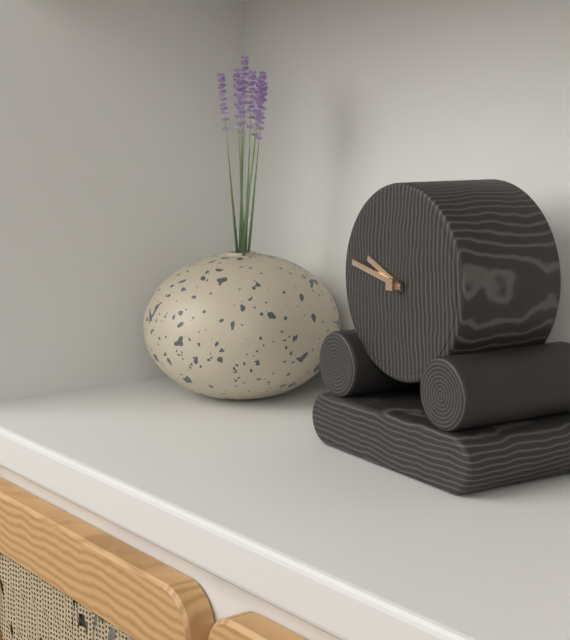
**9:47**
